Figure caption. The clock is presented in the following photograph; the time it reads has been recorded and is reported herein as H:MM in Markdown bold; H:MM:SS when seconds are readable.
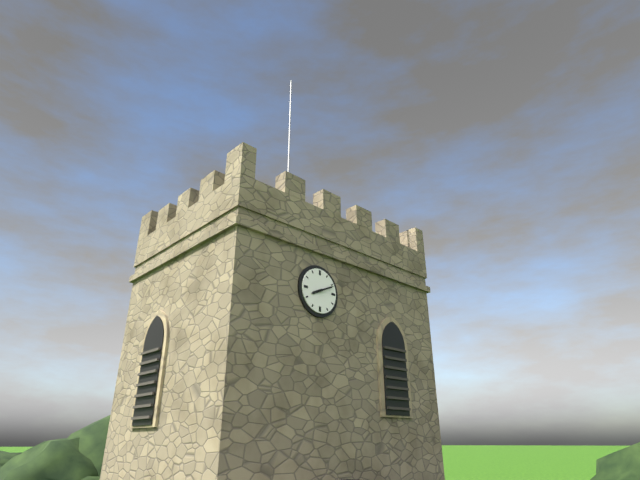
**8:11**
